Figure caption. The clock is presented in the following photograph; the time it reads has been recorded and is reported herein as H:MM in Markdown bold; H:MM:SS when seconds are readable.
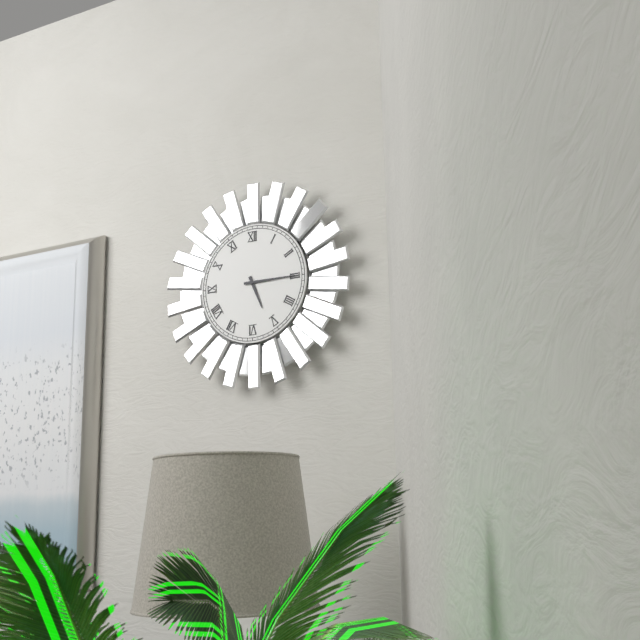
**5:15**
